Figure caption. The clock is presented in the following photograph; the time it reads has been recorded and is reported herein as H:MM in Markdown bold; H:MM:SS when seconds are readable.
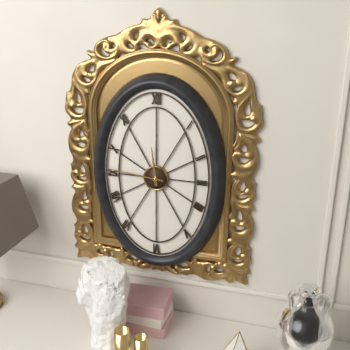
**11:46**
